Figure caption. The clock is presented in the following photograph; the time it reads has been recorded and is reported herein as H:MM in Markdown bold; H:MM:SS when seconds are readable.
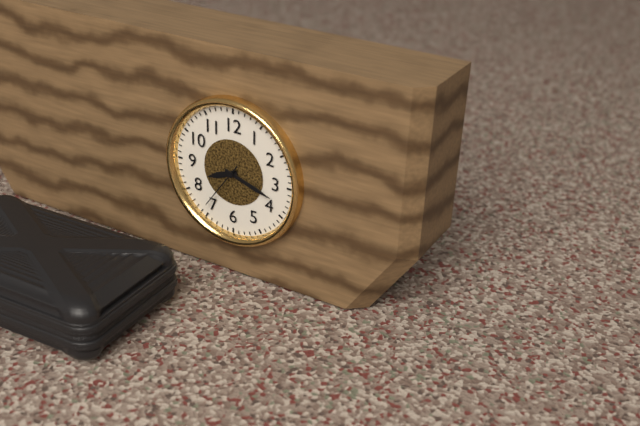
**8:18**
